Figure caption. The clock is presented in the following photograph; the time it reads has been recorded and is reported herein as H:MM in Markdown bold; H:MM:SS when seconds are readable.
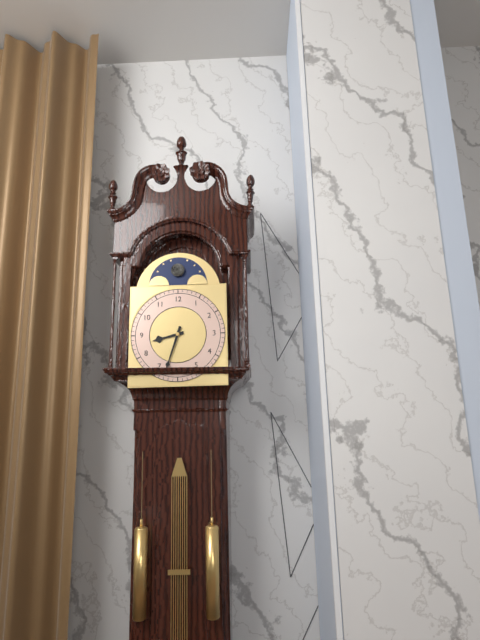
**8:33**
